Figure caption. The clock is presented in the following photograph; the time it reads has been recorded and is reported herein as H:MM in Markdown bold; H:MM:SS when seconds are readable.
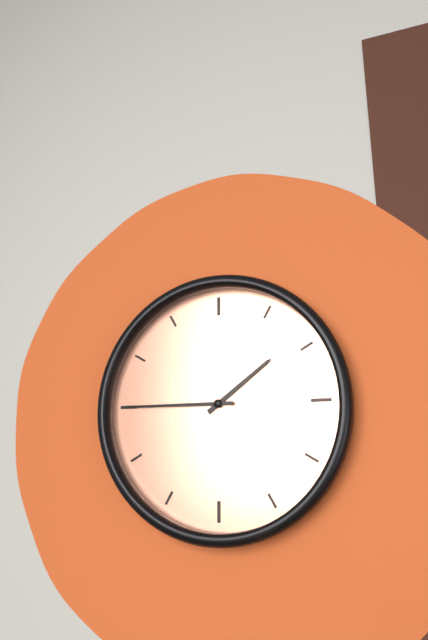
**1:45**
